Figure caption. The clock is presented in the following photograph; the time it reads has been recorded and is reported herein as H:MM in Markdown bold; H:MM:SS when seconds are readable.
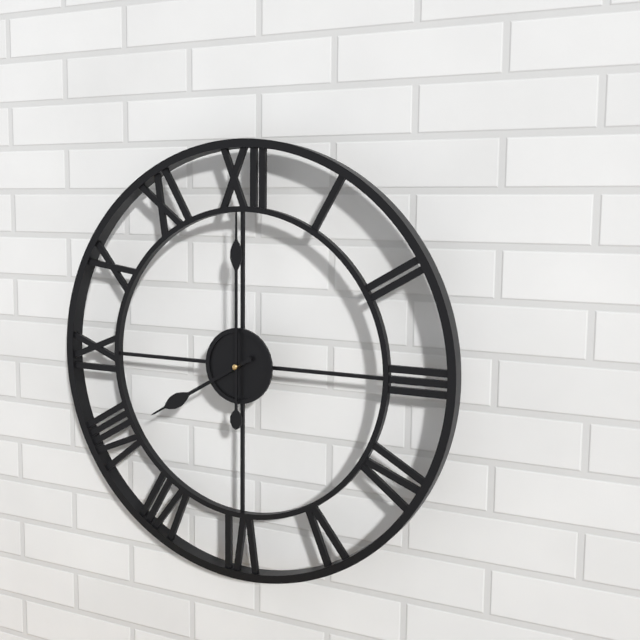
**8:00**
